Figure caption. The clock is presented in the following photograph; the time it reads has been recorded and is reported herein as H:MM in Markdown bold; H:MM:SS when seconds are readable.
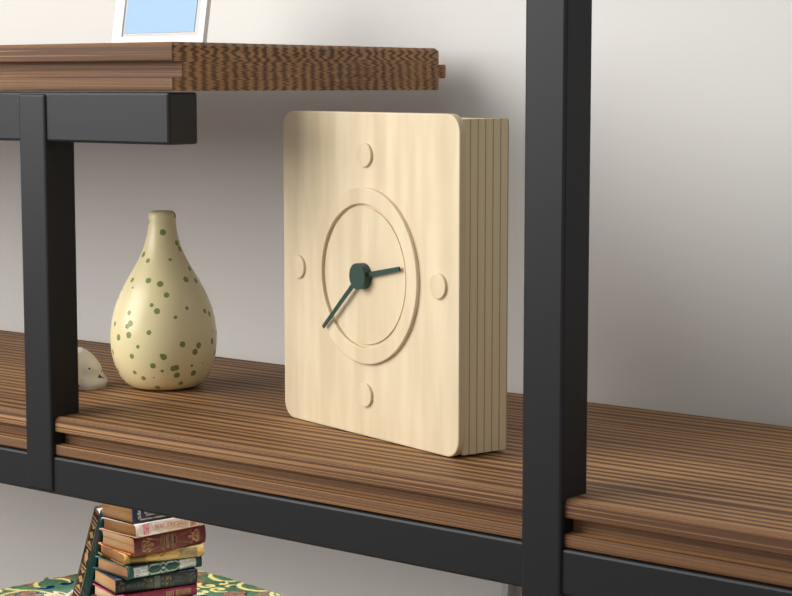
**2:38**
